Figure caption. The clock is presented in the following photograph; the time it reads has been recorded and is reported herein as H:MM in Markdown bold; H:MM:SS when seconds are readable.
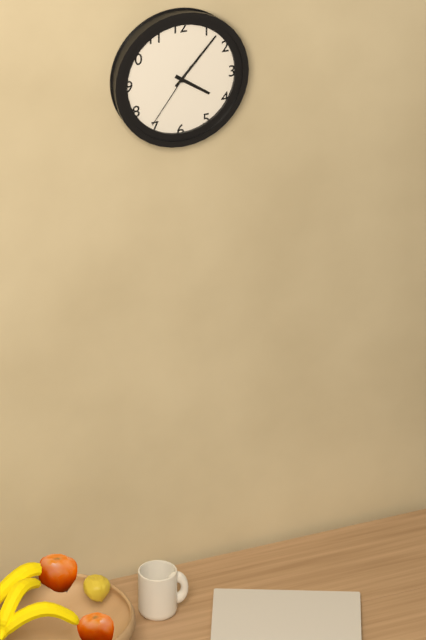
**4:07:36**
